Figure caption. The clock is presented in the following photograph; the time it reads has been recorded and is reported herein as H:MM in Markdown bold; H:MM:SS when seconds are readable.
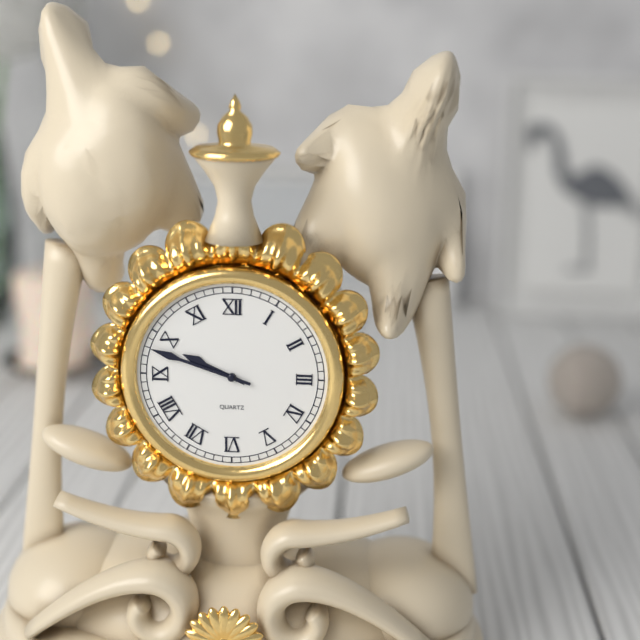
**9:48**
